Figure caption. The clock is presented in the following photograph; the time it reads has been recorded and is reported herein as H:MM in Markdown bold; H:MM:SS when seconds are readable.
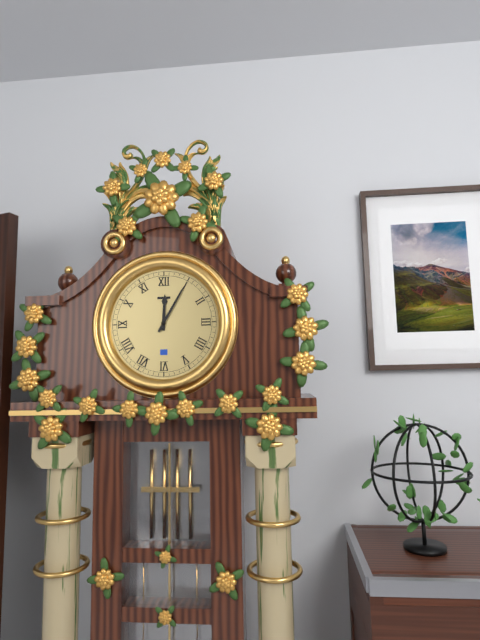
**12:05**
